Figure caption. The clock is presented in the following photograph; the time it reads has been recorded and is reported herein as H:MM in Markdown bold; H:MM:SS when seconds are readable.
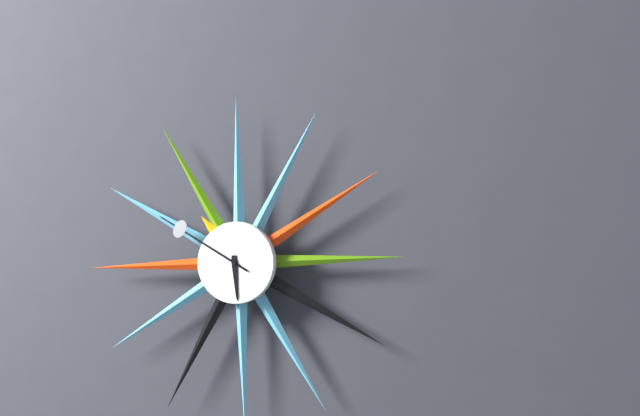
**5:50**
